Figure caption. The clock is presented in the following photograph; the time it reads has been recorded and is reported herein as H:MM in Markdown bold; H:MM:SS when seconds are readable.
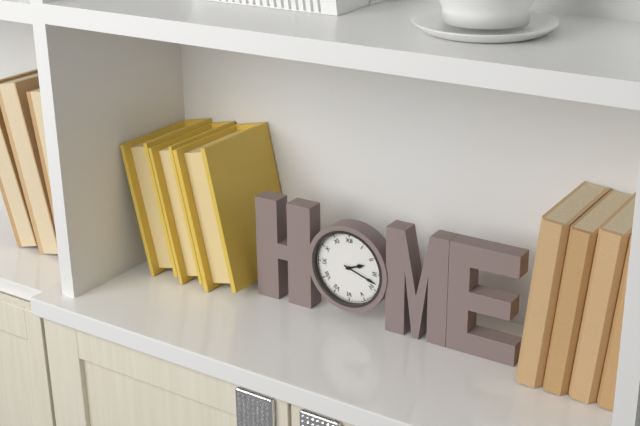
**2:18**
